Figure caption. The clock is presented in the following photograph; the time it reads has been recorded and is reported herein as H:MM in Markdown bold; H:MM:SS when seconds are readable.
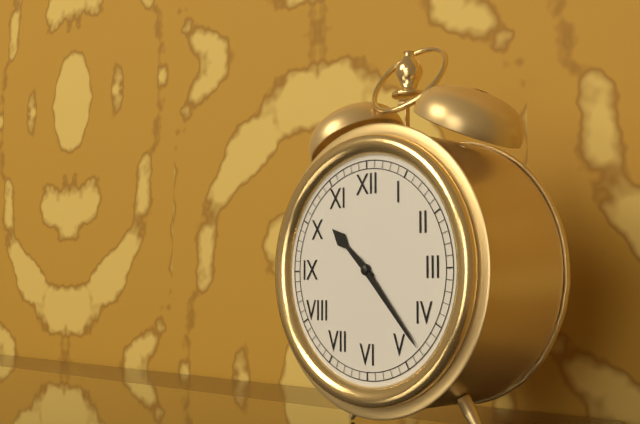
**10:23**
